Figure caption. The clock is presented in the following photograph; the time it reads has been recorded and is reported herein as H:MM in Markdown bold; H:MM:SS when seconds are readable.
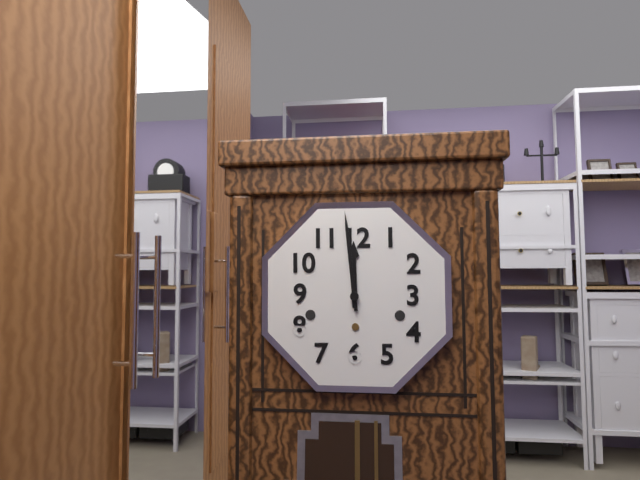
**11:59**
